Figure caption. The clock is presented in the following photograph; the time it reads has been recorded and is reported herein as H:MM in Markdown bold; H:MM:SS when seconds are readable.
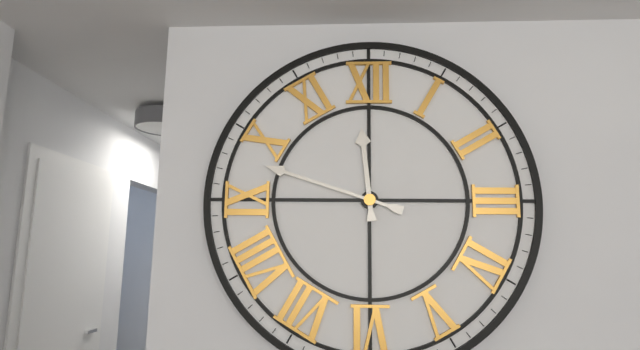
**11:48**
